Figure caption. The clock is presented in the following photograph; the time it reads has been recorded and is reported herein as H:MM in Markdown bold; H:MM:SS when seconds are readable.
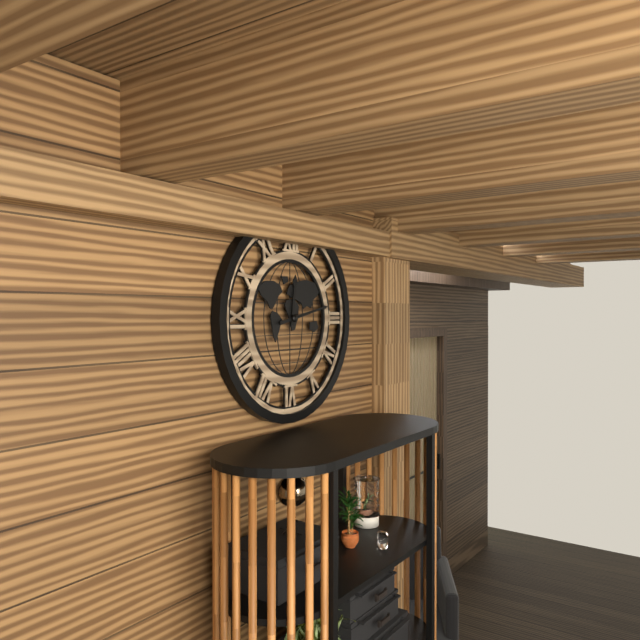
**12:13**
